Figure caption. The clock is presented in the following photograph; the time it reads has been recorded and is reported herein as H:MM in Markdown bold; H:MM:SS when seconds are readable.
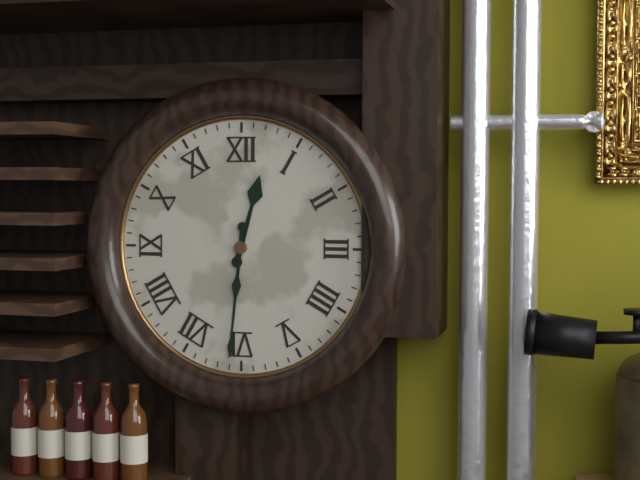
**12:31**
